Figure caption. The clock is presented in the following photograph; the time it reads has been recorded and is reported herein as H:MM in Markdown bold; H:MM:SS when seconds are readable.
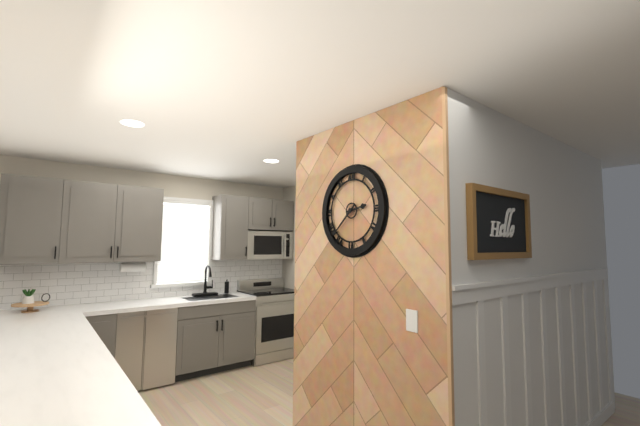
**2:38**
